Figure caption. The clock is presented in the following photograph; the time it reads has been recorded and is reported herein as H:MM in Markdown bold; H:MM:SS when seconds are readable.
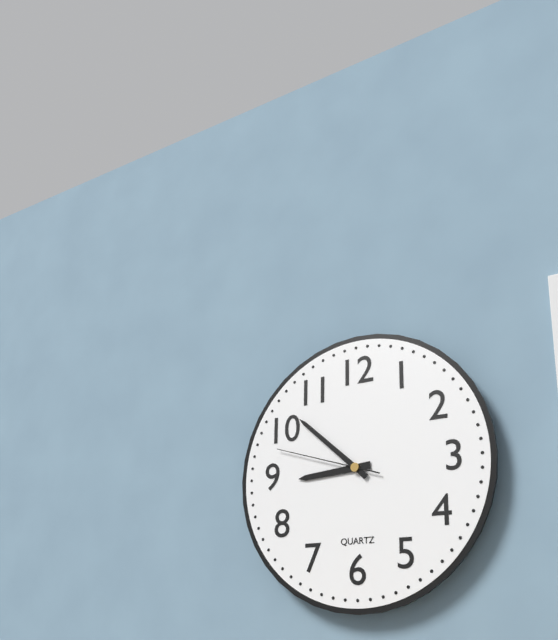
**8:52:48**
